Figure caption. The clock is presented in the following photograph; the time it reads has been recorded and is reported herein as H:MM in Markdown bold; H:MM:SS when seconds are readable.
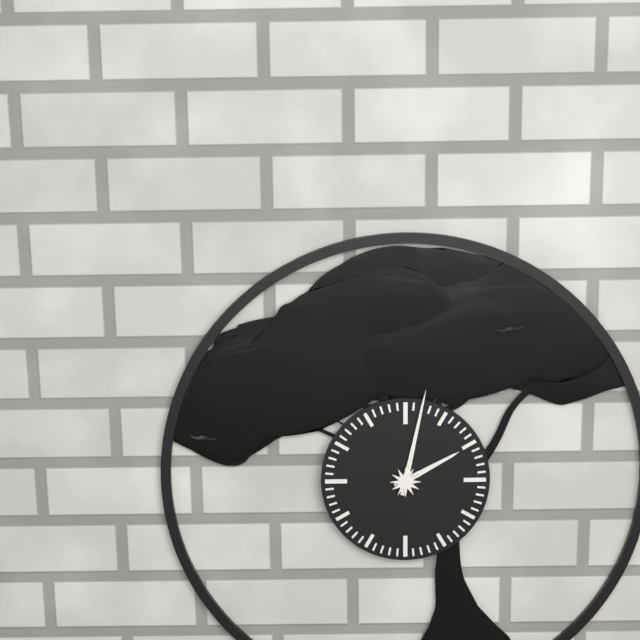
**2:02**
